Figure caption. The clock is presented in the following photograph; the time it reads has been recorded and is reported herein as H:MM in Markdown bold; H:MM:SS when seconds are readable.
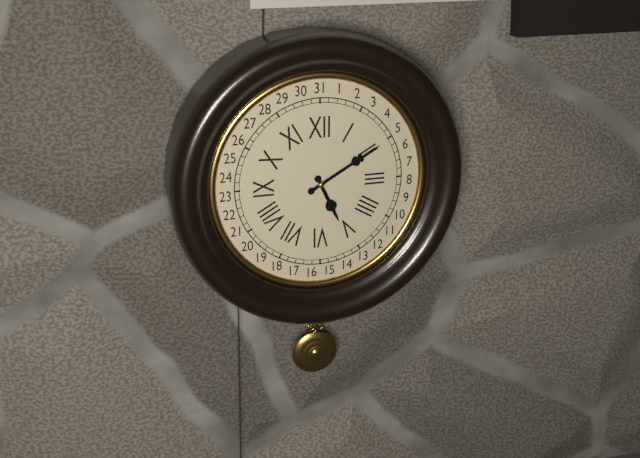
**5:10**
